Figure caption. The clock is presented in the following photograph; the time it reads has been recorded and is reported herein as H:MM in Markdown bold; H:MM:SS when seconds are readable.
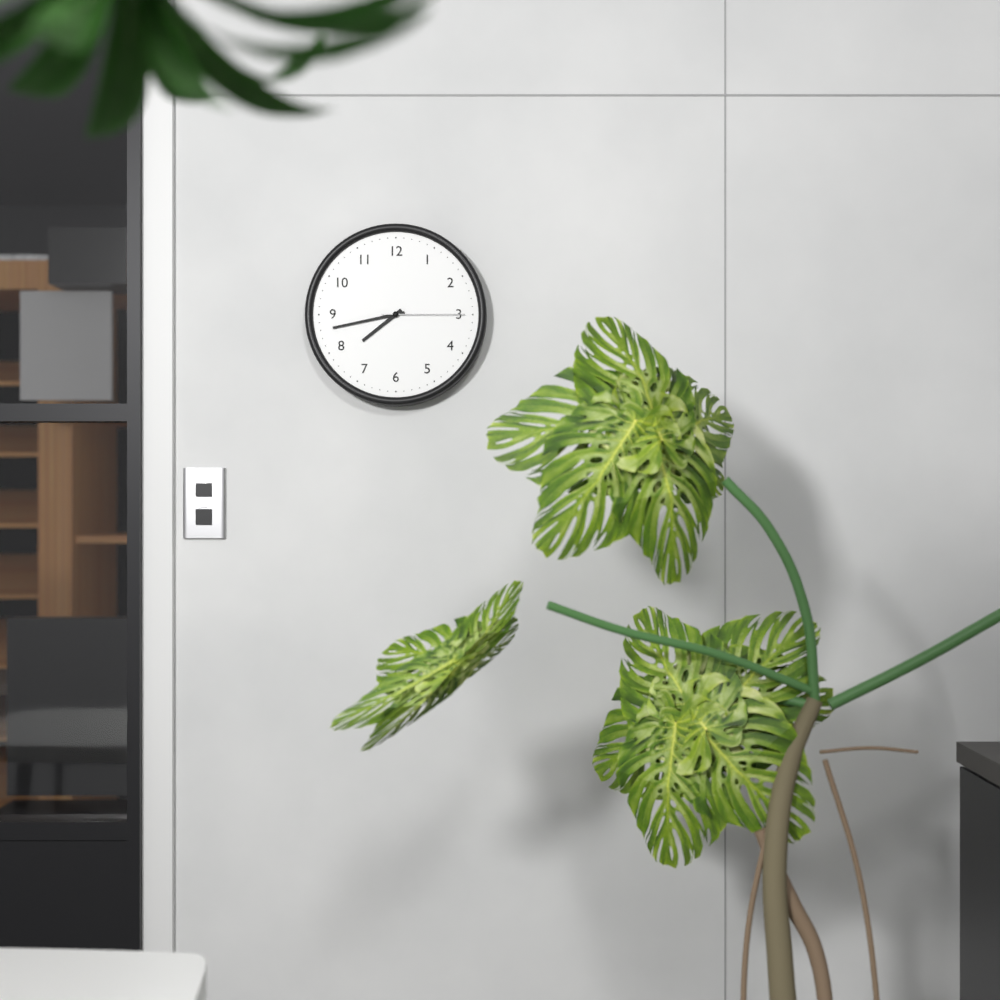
**7:43:15**
